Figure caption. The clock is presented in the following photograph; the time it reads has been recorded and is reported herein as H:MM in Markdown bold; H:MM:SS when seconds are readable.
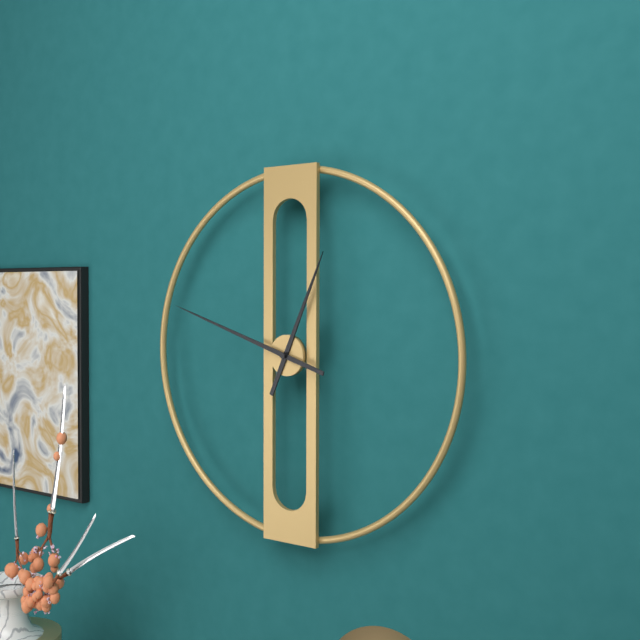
**12:48**
